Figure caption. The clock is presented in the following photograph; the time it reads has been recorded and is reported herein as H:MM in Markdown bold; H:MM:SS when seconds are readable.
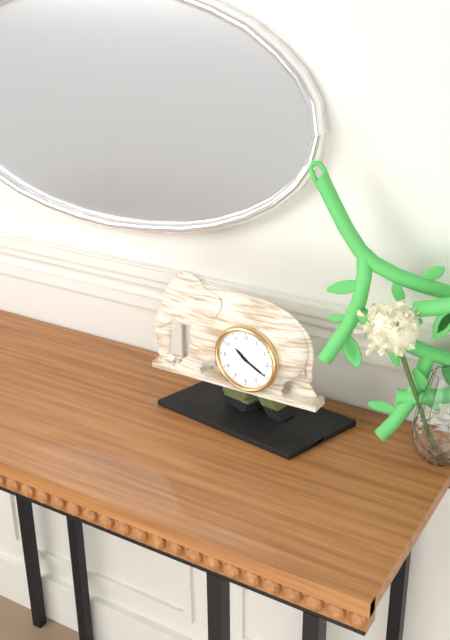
**10:20**
